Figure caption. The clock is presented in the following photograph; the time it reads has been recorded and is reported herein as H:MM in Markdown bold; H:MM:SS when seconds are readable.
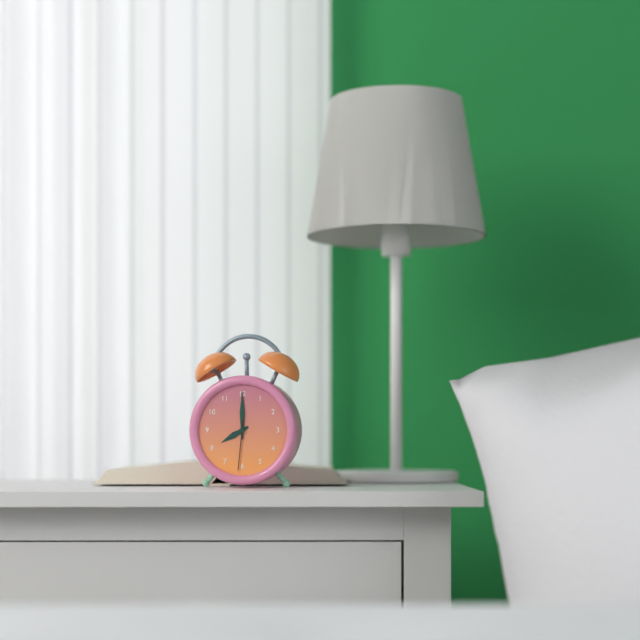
**8:00:31**
